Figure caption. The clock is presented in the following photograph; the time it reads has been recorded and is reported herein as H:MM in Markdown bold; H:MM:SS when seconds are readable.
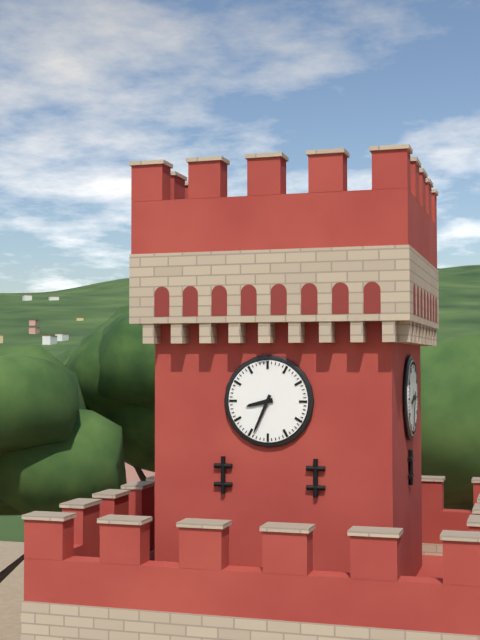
**8:34**
